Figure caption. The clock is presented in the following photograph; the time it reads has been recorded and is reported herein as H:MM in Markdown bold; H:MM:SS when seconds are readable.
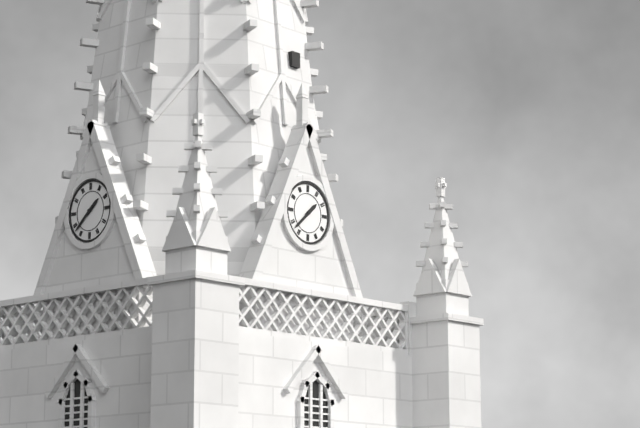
**1:38**
